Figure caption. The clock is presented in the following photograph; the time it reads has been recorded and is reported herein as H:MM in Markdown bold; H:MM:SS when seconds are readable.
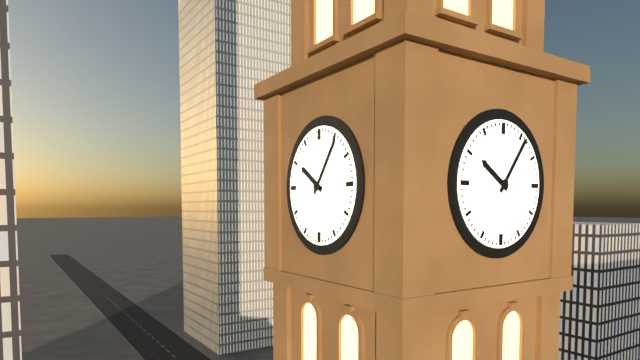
**10:06**
